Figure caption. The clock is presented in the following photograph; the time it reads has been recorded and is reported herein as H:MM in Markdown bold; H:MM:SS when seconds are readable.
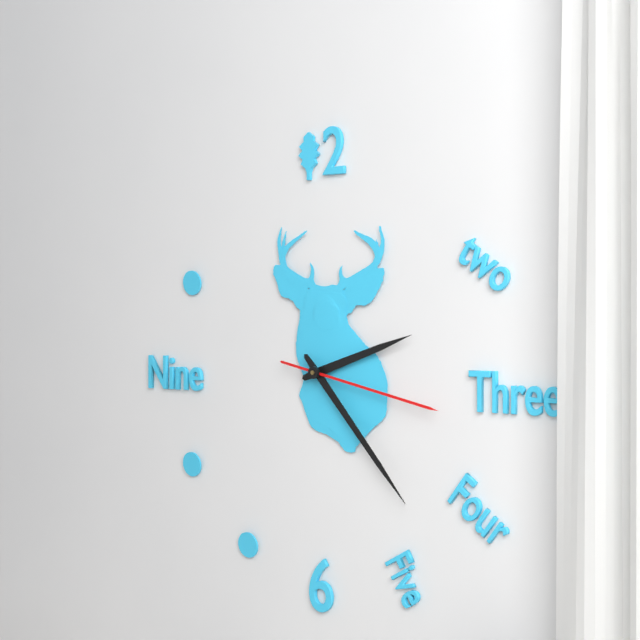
**2:23:17**
